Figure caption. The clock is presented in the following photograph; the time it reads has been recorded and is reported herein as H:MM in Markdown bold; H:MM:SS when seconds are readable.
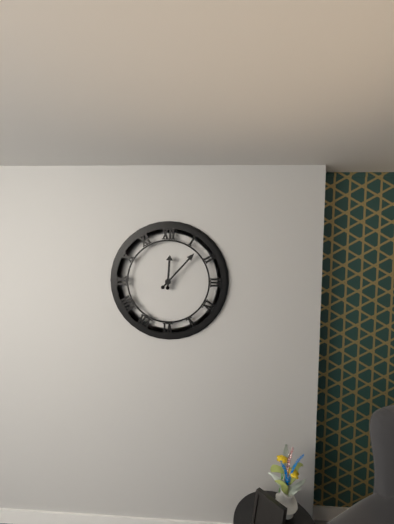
**12:07**
